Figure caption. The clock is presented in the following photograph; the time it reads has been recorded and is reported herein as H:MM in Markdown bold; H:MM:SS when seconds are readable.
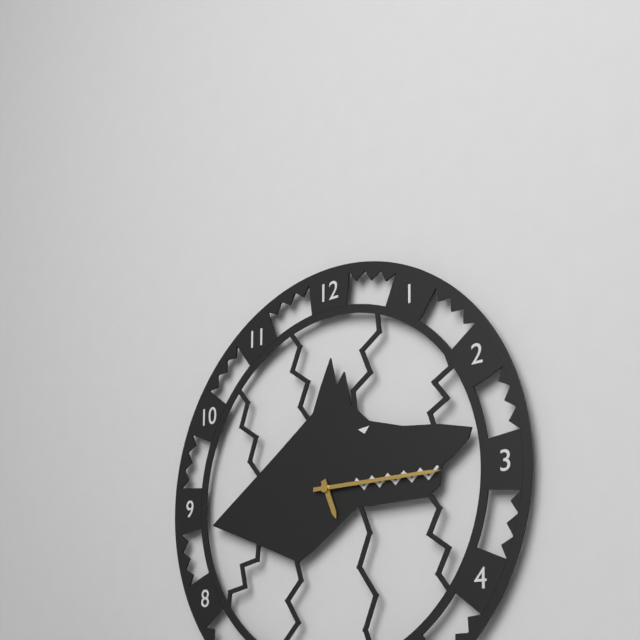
**5:15**
